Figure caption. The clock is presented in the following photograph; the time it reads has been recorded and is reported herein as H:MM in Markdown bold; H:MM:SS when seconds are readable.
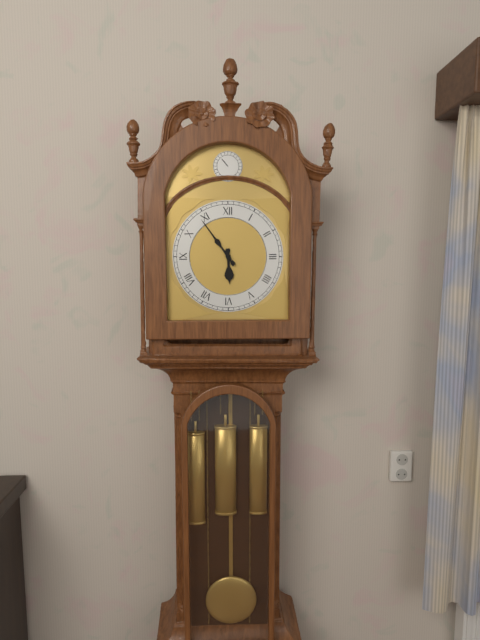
**5:54**
